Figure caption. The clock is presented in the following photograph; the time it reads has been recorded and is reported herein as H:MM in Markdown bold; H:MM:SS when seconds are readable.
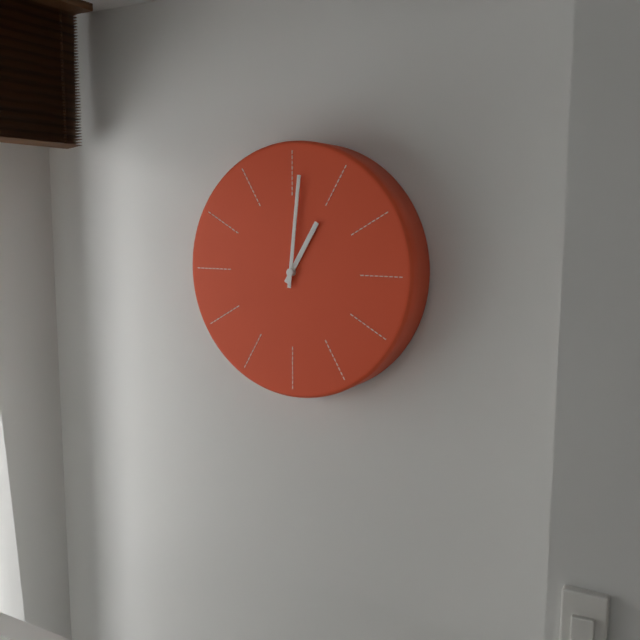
**1:01**
